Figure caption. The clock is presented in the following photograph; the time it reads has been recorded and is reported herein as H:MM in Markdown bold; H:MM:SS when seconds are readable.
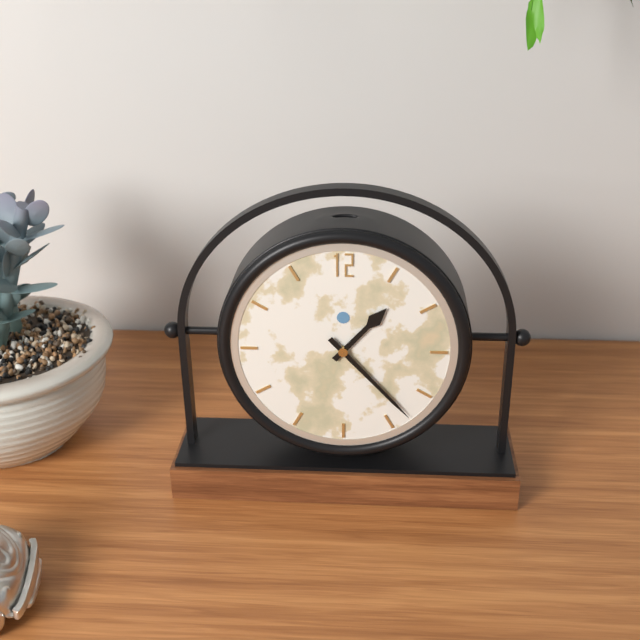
**1:23**
